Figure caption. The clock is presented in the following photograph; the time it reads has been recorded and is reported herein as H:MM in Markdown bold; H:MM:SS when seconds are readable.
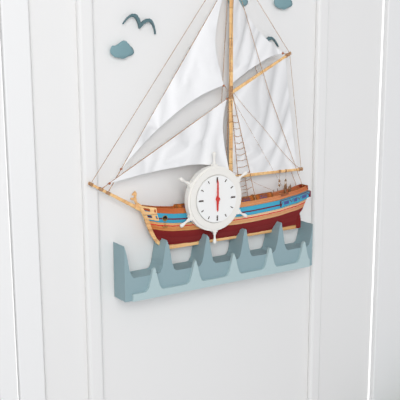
**6:00**
